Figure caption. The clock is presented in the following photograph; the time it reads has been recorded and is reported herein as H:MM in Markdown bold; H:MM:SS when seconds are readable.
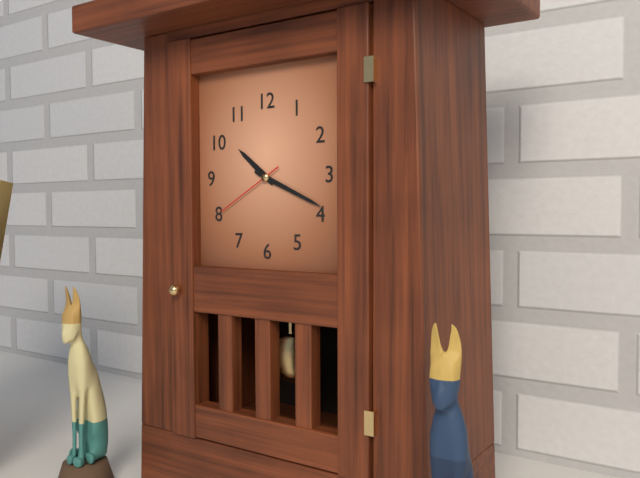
**10:19:40**
